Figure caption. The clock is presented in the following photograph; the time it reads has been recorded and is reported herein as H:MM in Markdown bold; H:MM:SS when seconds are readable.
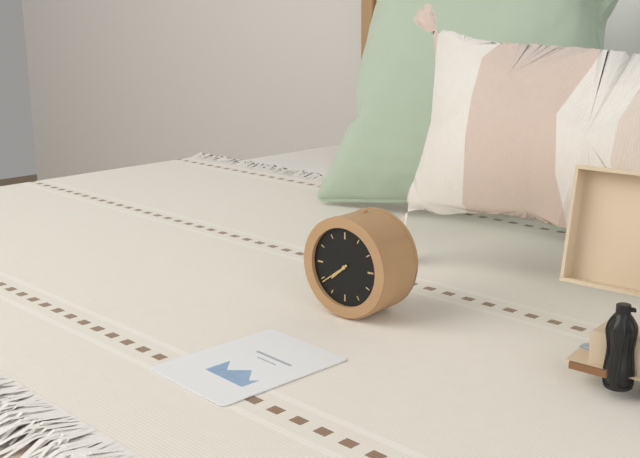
**7:39**
